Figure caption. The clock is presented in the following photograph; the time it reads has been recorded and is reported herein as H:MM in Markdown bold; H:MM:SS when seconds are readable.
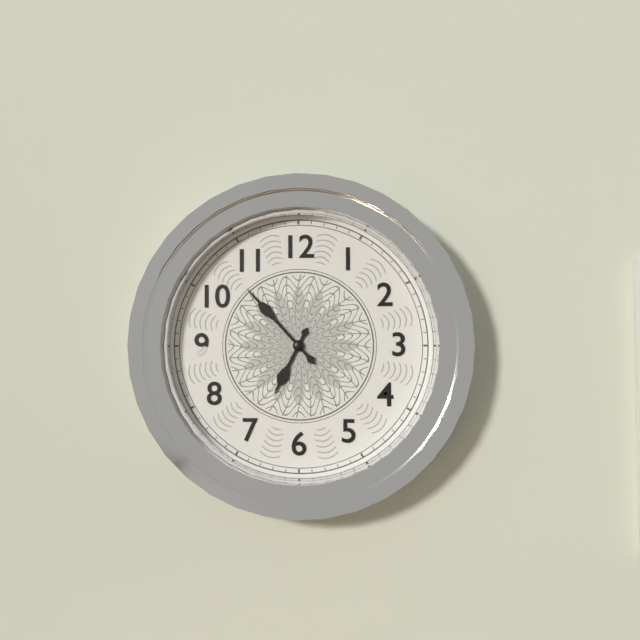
**6:53**
